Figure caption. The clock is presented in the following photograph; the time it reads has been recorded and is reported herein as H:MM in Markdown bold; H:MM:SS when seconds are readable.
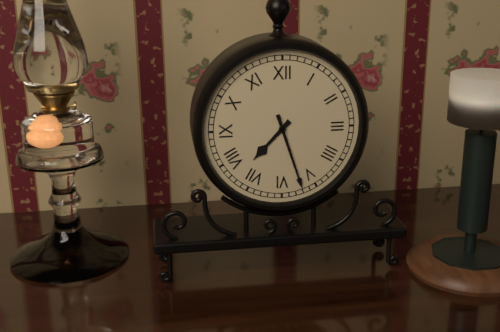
**7:27**
